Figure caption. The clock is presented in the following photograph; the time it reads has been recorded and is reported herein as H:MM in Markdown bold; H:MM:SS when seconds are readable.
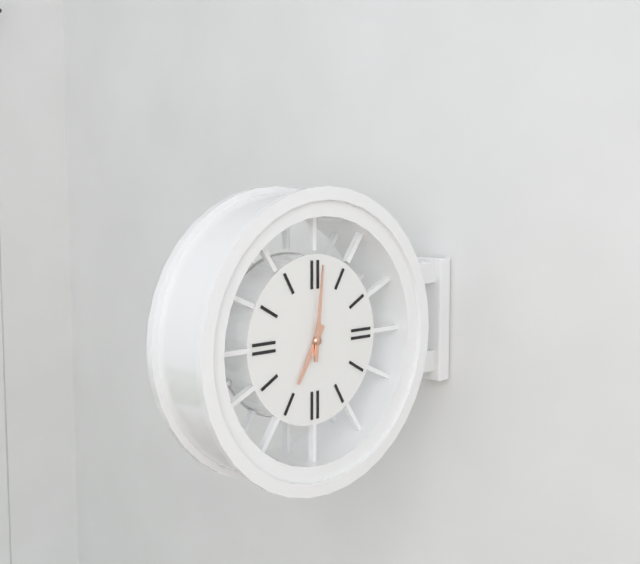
**7:01**
